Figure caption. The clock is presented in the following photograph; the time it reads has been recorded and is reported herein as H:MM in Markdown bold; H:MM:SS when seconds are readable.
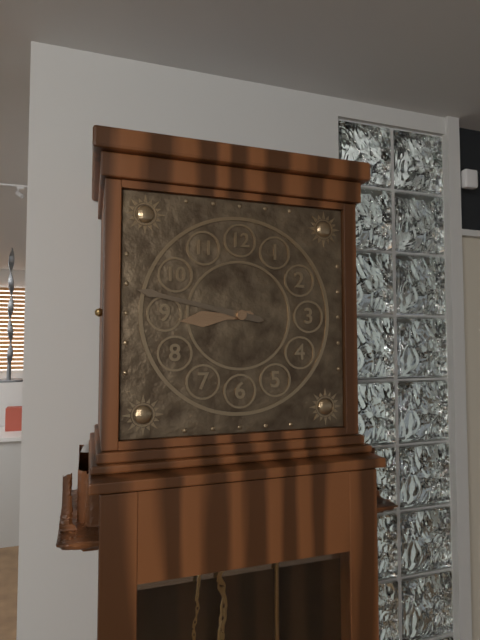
**8:47**
